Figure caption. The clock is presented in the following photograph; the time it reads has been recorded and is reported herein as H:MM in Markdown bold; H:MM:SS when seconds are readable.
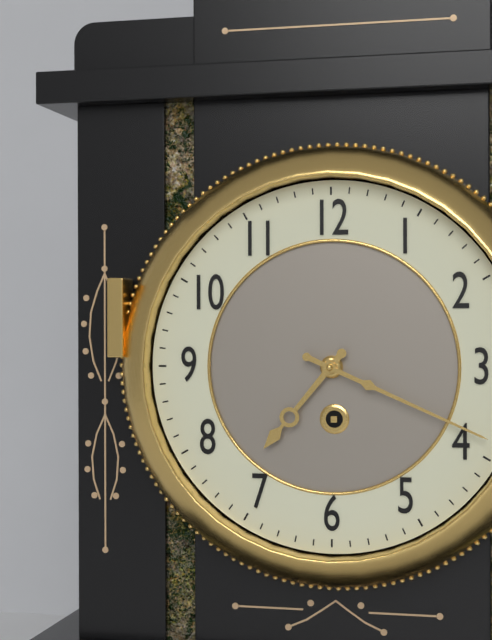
**7:19**
